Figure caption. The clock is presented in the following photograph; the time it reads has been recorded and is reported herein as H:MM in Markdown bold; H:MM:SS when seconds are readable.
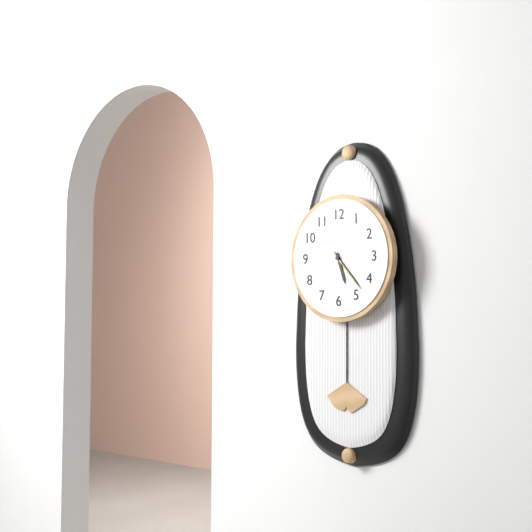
**5:23:23**
